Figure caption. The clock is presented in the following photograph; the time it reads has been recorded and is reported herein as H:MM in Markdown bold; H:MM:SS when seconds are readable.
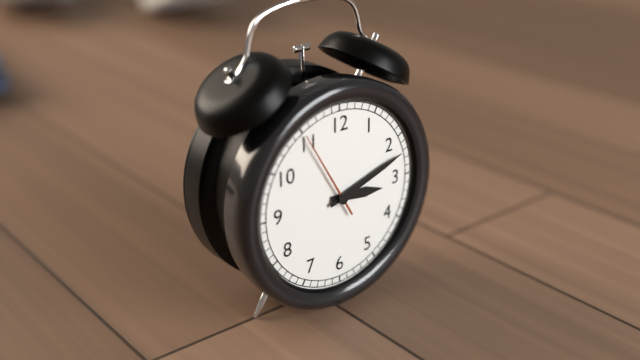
**3:12:55**
